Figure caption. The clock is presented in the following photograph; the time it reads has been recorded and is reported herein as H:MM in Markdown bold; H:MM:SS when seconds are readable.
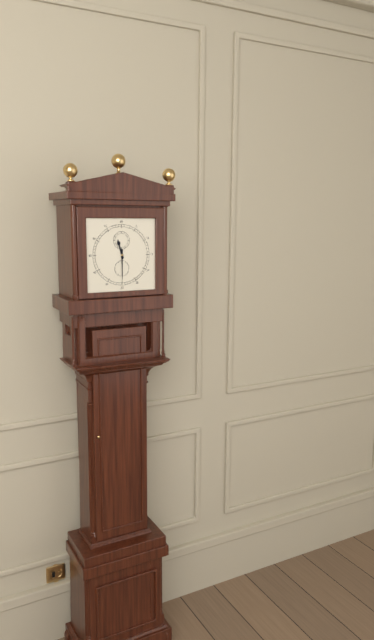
**11:30**
